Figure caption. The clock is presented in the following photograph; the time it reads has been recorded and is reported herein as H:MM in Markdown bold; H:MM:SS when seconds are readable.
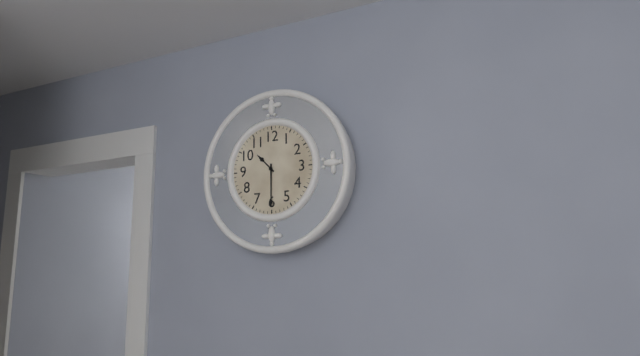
**10:30**
